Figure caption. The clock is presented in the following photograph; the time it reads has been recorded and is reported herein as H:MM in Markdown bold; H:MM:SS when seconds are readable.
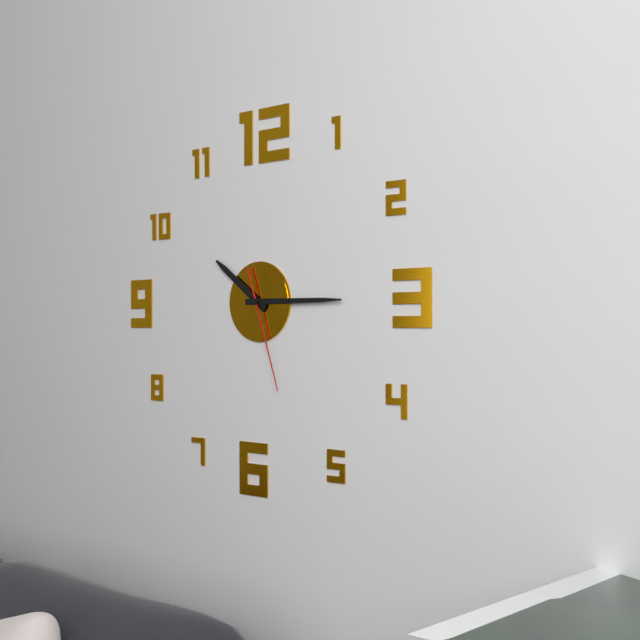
**10:15:27**
